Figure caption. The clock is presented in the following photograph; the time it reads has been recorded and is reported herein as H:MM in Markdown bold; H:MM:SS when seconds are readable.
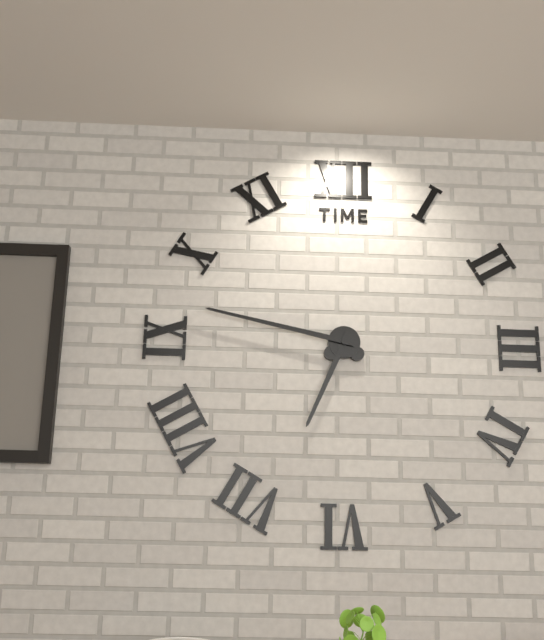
**6:47**
